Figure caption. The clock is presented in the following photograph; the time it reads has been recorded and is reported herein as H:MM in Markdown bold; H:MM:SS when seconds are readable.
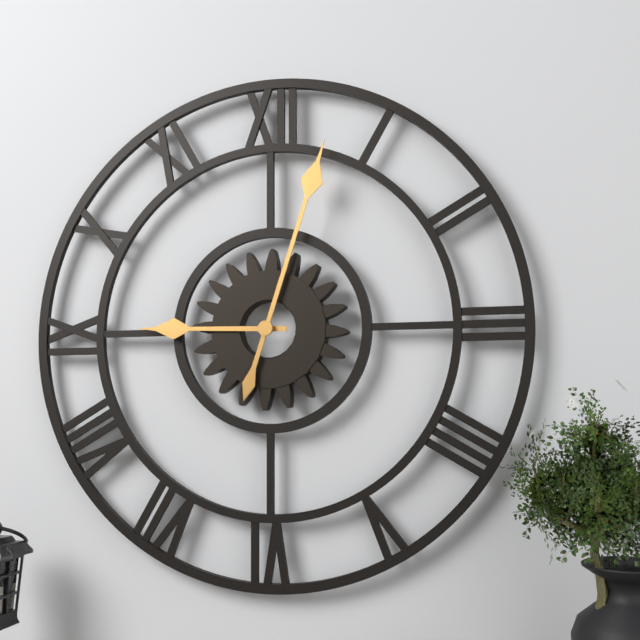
**9:03**
